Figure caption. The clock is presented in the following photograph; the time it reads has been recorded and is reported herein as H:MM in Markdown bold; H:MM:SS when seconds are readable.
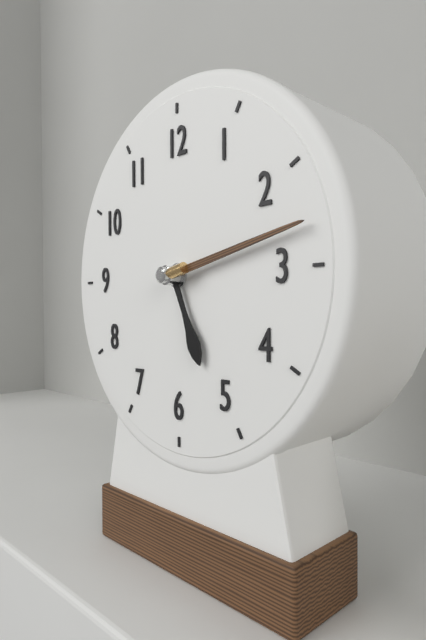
**5:13**
